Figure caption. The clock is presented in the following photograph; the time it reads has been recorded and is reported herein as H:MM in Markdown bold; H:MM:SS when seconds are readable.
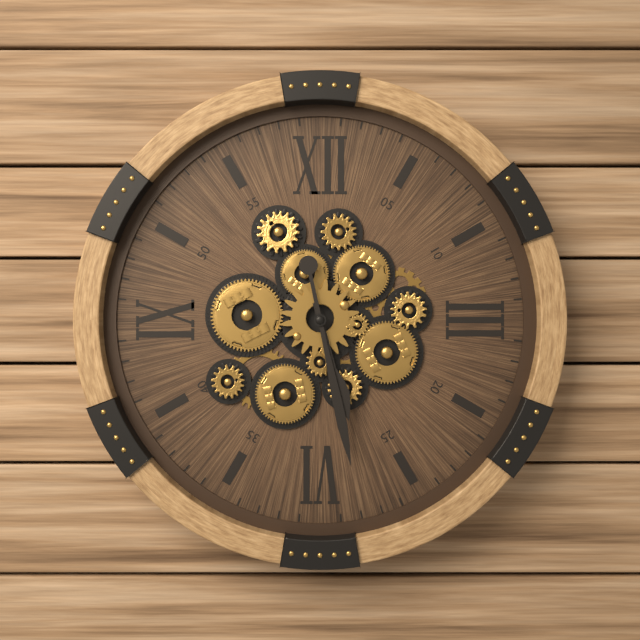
**5:28**
